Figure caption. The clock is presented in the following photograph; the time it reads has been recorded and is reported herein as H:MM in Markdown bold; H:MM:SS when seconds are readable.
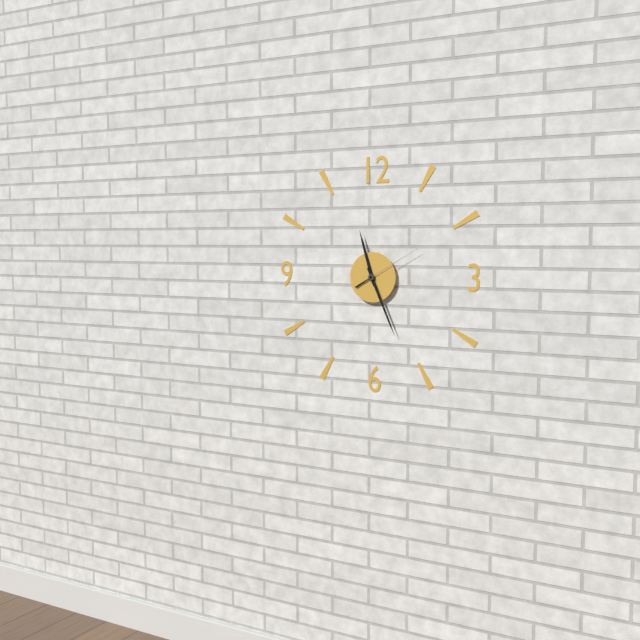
**11:26:10**
